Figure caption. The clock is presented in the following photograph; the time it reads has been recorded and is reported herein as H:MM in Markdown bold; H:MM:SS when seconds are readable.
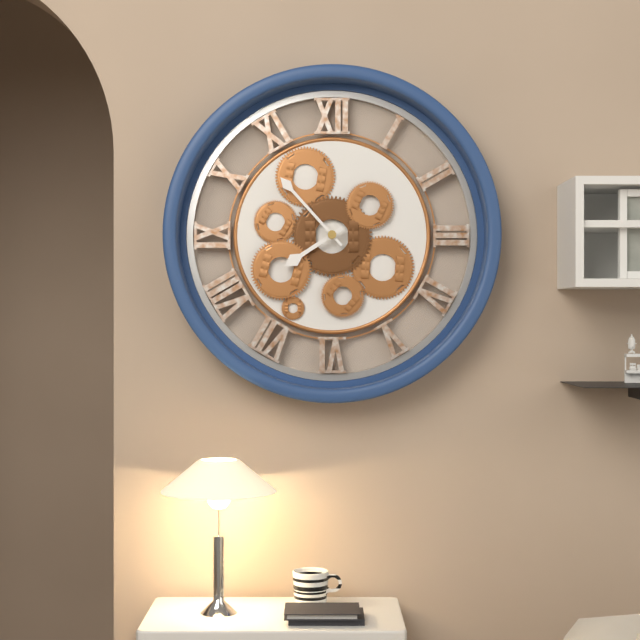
**7:53**
